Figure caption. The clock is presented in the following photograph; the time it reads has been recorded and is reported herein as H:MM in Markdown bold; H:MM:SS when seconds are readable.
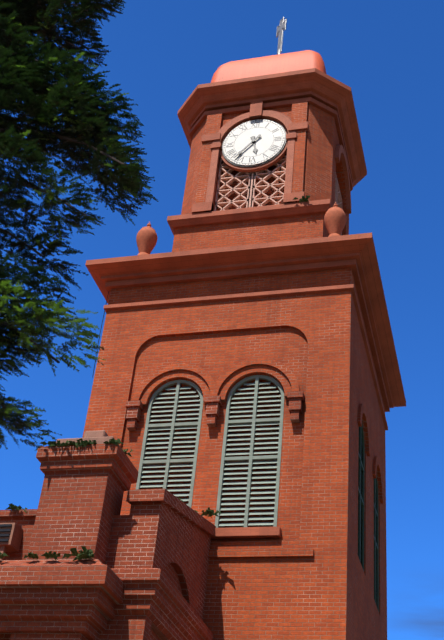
**5:37**
